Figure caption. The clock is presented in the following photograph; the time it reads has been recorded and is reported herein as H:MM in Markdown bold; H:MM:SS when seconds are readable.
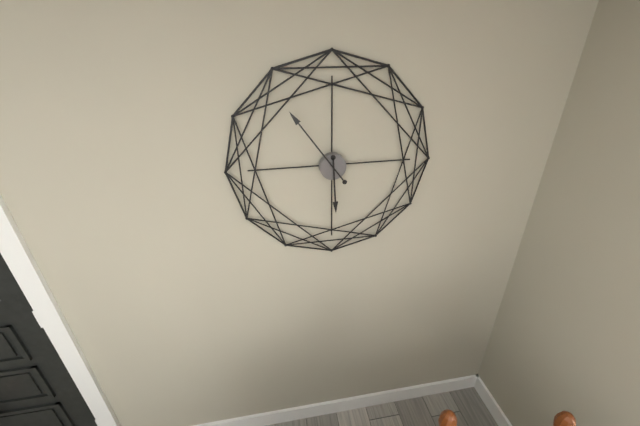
**5:54**
